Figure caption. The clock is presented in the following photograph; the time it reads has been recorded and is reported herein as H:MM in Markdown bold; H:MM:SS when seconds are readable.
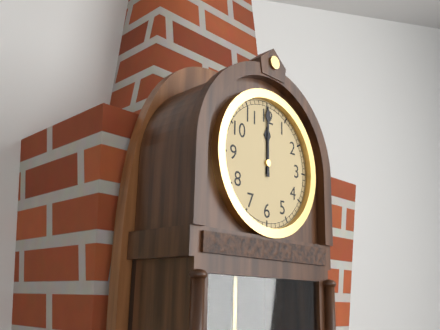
**12:00**
